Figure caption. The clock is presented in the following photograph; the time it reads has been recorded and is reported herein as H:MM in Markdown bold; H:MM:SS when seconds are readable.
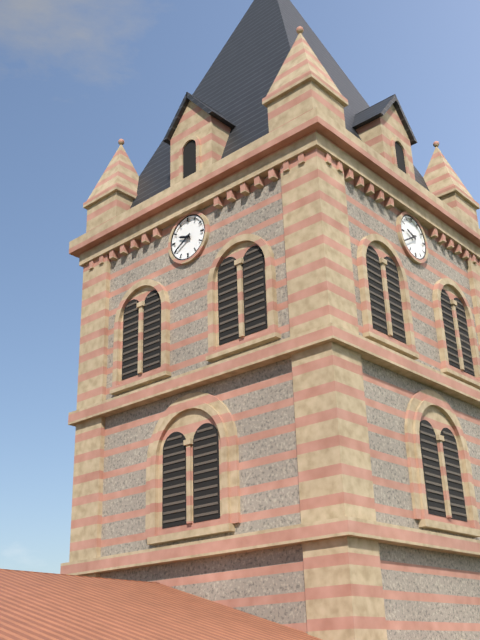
**9:40**
